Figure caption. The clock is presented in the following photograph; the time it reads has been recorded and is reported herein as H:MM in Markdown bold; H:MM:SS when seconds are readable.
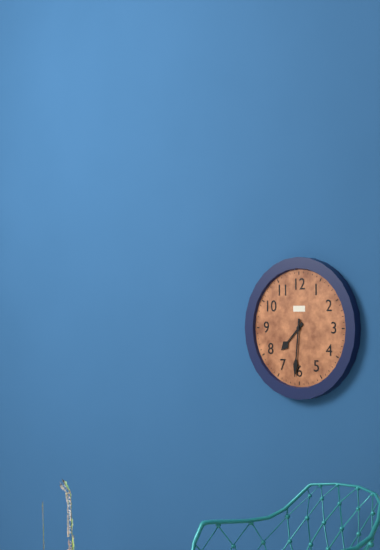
**7:31**
